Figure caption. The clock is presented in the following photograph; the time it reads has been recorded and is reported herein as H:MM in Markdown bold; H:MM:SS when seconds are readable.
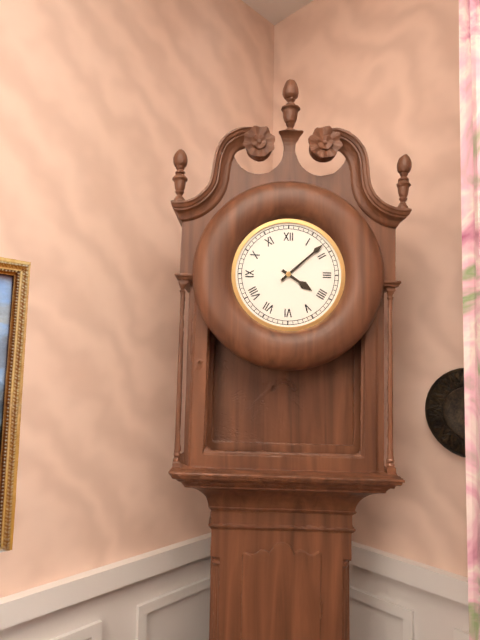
**4:08**
